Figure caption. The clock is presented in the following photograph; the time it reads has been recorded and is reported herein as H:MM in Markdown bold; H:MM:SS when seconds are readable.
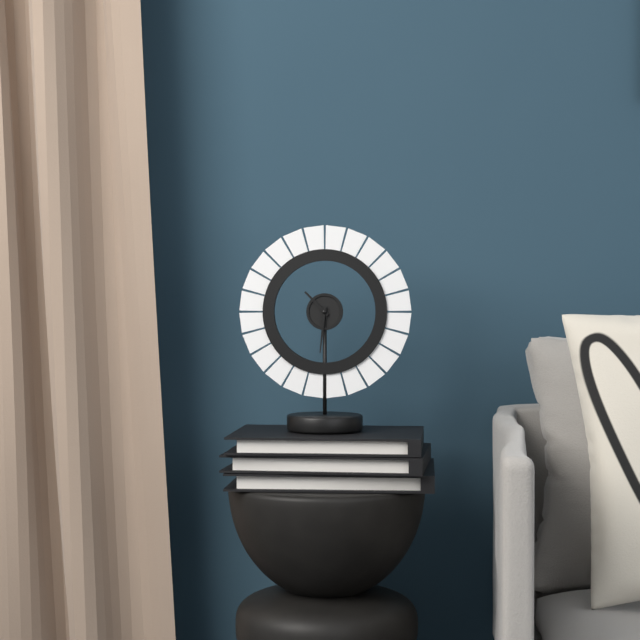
**10:31**
